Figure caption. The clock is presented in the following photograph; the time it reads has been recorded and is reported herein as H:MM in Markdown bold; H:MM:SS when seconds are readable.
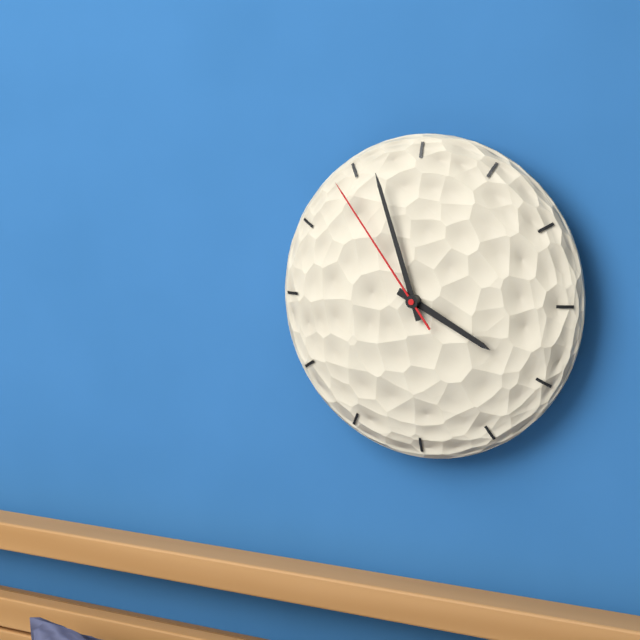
**3:57:54**
